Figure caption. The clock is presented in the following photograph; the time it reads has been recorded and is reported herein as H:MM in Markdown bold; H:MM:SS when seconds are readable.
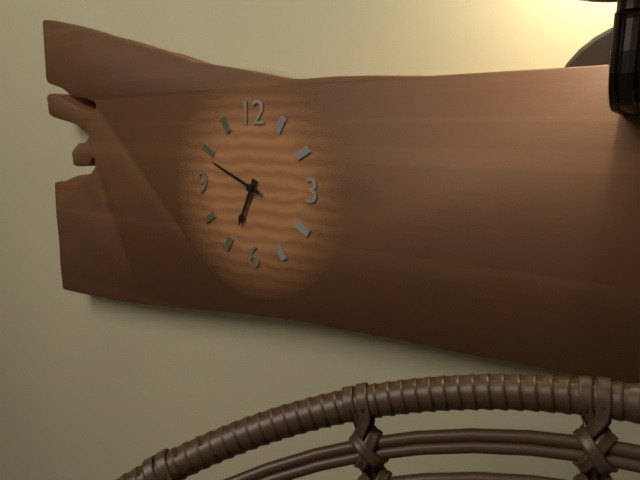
**6:49**
